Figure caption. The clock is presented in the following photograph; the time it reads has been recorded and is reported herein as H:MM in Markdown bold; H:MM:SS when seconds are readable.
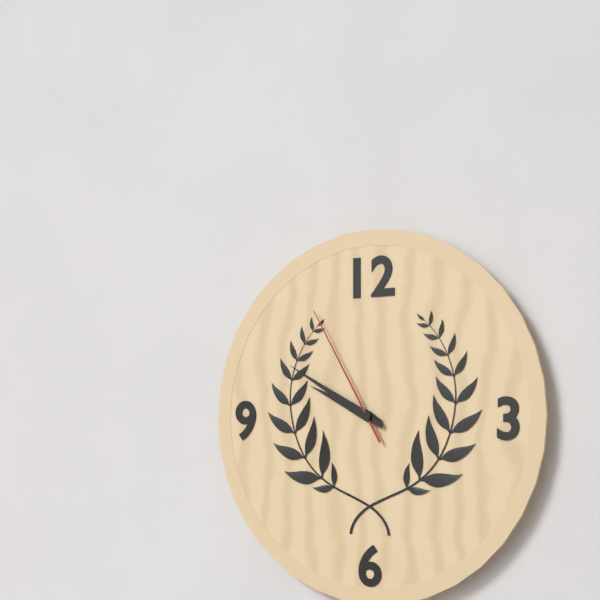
**9:50:55**
